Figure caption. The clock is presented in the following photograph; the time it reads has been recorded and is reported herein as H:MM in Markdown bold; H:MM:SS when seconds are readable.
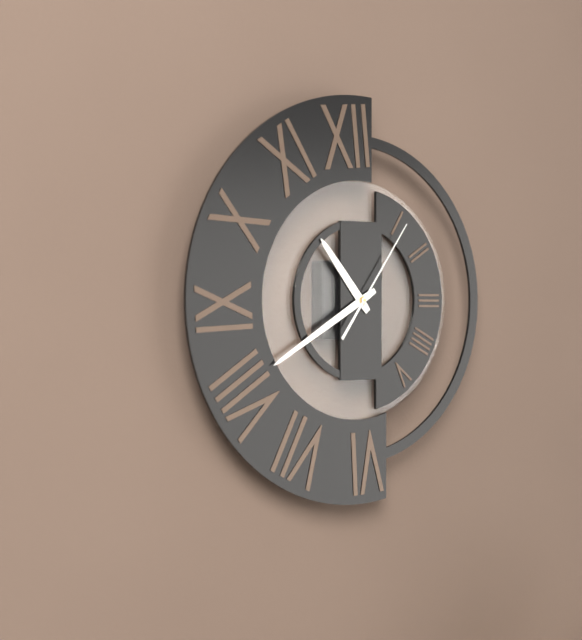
**10:40:06**
